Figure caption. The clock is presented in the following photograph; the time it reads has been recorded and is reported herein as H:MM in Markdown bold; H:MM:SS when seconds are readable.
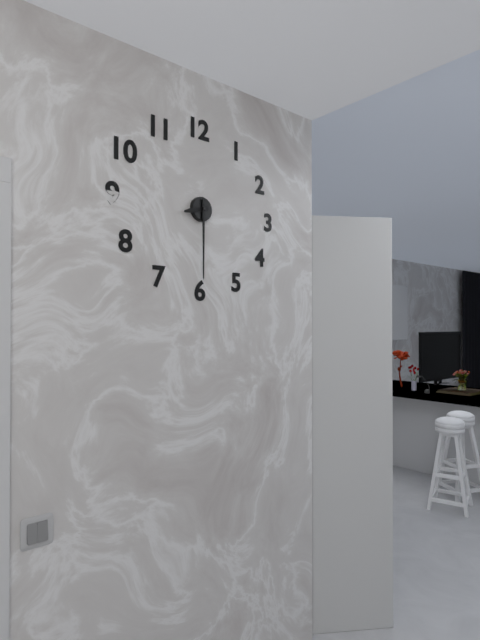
**8:30**
